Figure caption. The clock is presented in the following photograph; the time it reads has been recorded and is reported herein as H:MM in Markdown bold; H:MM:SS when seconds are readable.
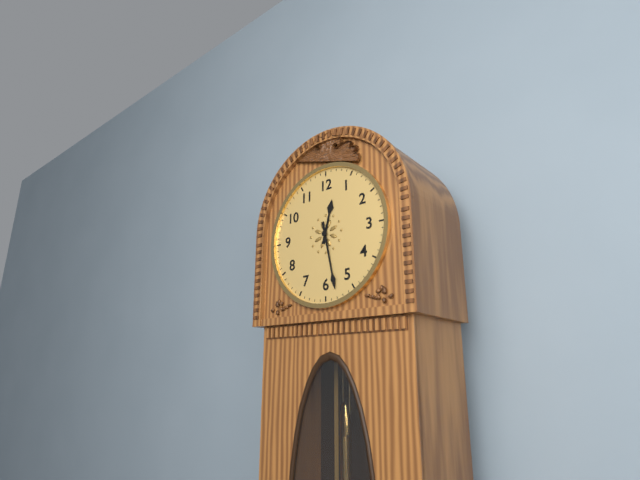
**12:28**
